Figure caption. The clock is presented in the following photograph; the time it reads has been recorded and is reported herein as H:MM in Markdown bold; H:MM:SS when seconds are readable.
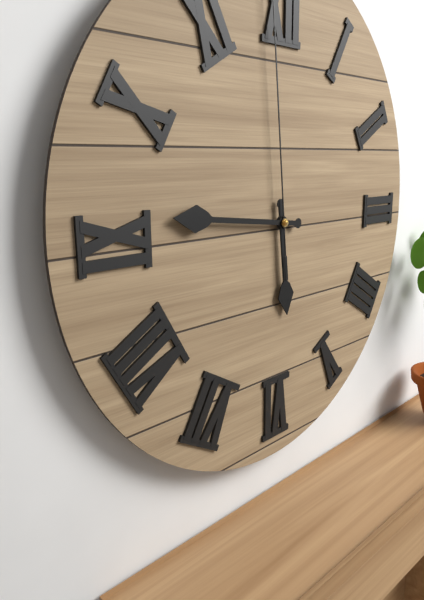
**5:46**
